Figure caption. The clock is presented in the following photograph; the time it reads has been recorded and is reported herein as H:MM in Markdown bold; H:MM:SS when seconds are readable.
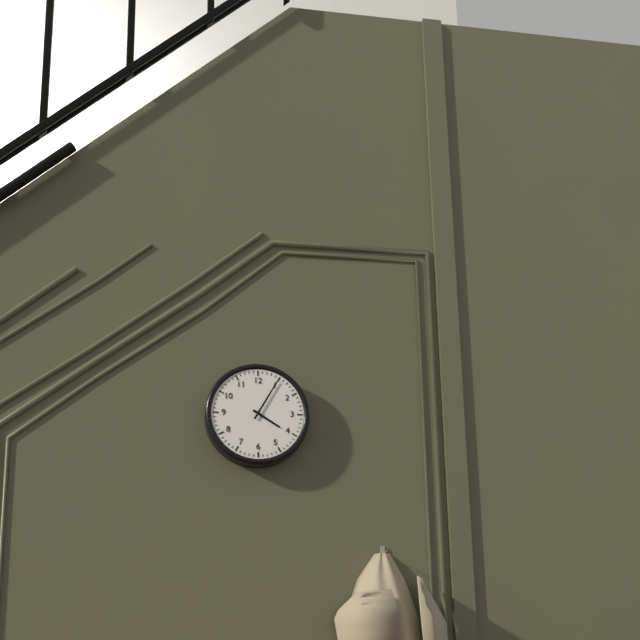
**4:05**
